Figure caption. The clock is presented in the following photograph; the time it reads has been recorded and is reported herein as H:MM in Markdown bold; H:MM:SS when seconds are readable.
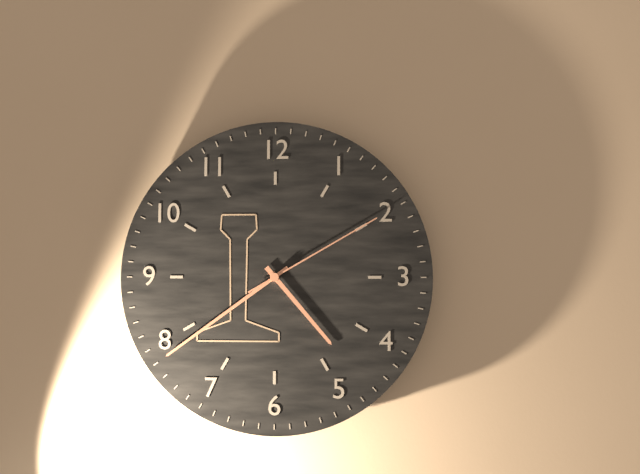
**4:39:10**
